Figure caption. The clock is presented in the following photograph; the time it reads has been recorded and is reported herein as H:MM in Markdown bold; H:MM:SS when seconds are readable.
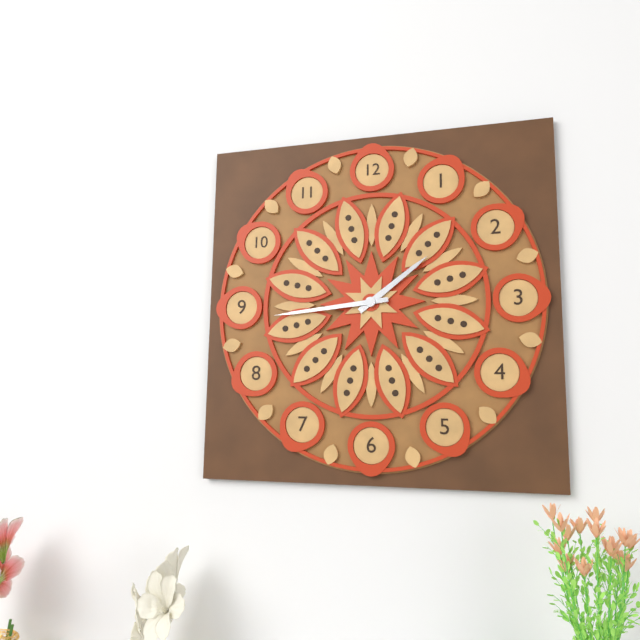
**1:44**
